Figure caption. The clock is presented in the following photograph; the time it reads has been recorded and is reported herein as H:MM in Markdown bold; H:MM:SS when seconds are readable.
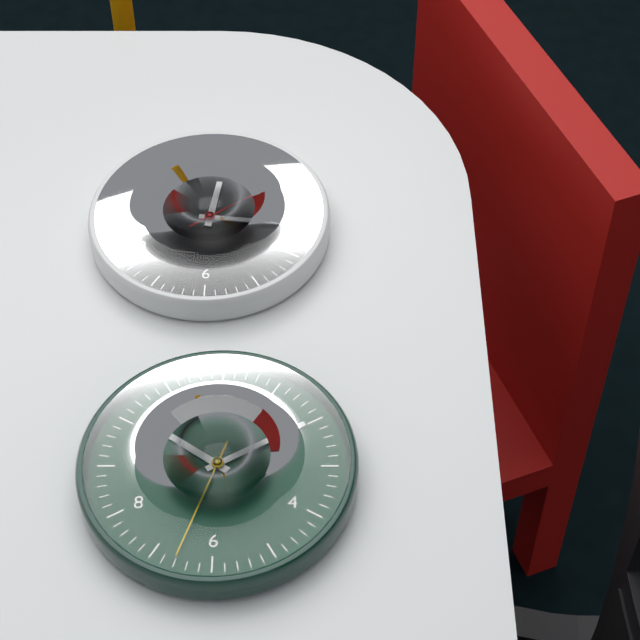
**12:16:09**
